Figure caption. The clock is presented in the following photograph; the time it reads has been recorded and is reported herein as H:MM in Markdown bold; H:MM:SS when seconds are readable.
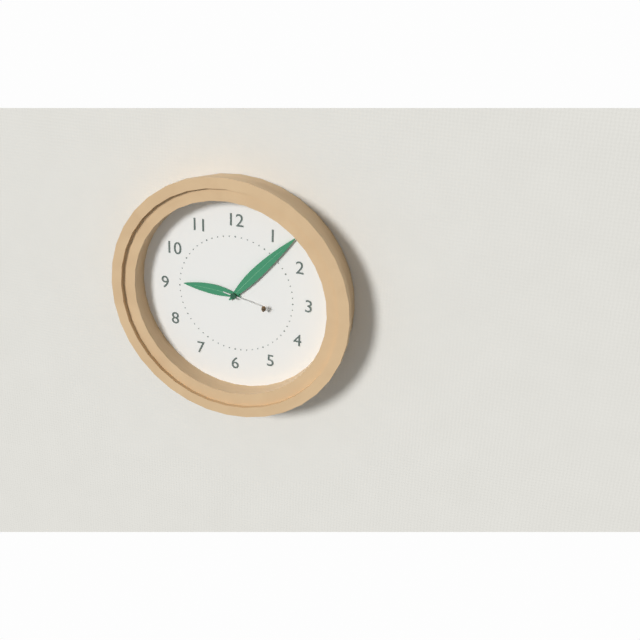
**9:07**
